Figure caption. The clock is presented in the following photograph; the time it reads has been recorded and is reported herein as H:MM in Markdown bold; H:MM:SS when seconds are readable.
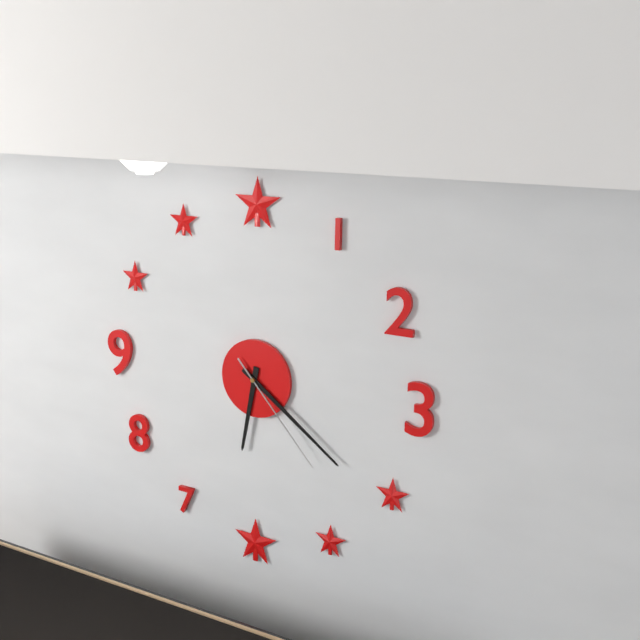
**6:21:23**
